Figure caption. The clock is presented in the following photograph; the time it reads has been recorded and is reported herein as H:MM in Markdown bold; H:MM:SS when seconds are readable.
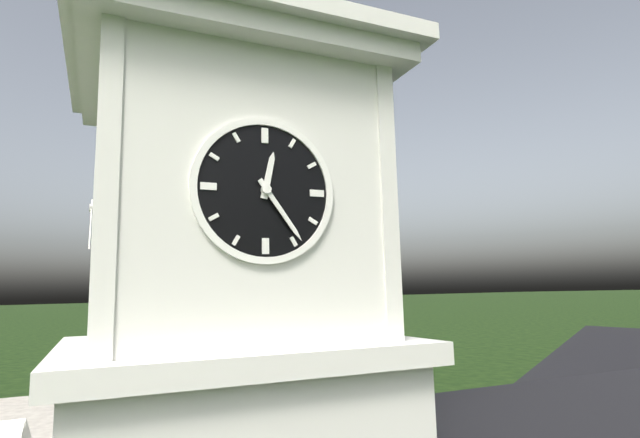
**12:24**
